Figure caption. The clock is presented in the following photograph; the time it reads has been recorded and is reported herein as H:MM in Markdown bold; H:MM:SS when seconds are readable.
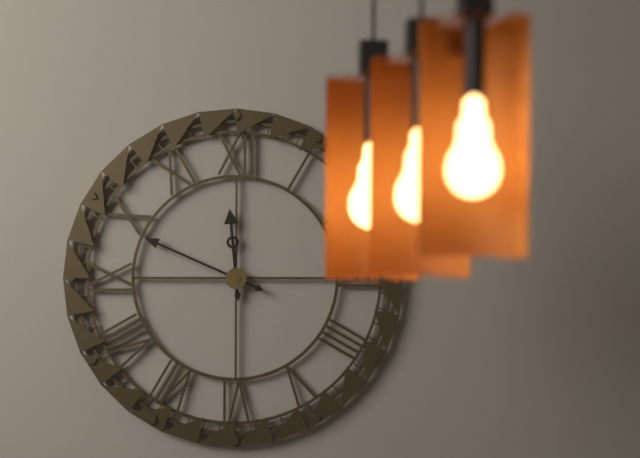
**11:49**
